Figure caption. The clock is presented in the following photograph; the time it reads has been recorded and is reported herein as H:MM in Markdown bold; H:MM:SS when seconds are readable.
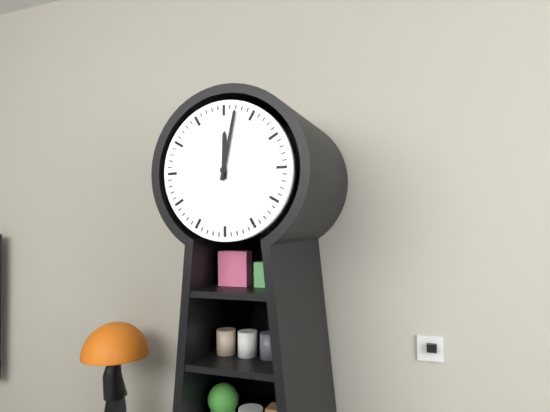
**12:02**
